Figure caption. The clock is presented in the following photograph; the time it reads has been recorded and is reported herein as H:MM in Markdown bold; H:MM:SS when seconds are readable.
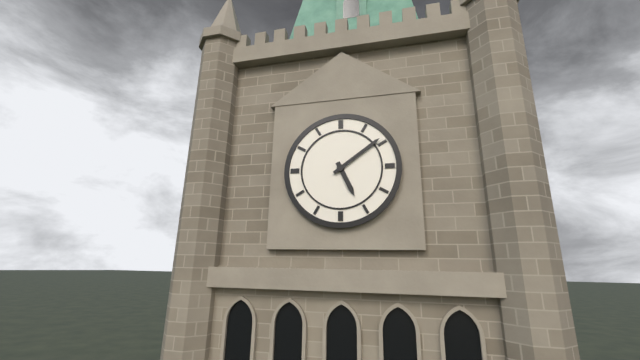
**5:09**
